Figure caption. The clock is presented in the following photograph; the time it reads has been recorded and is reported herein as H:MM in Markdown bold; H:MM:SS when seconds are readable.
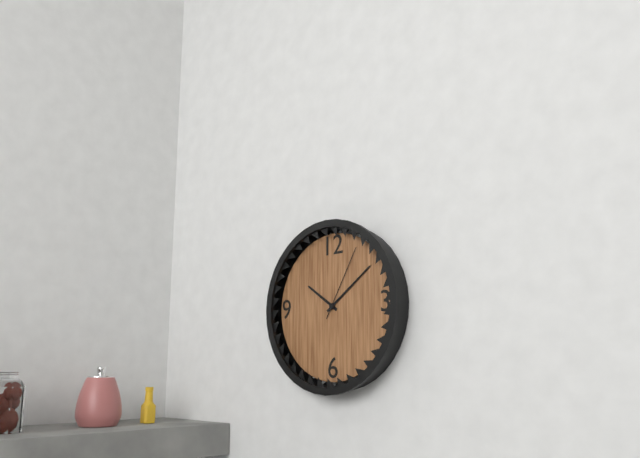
**10:09:05**
